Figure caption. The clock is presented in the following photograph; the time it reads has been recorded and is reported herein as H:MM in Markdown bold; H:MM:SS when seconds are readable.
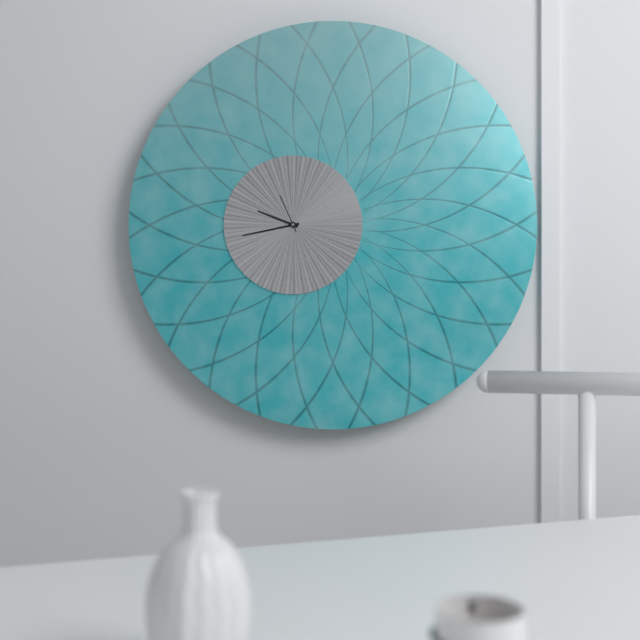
**9:43**
